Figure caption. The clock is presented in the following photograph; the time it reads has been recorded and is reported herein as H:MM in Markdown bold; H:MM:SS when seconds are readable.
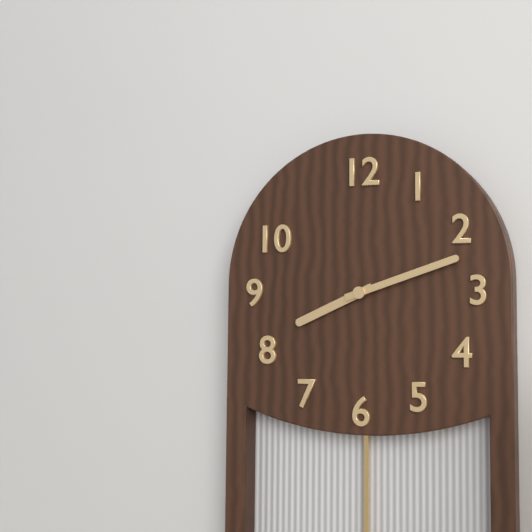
**8:12**
